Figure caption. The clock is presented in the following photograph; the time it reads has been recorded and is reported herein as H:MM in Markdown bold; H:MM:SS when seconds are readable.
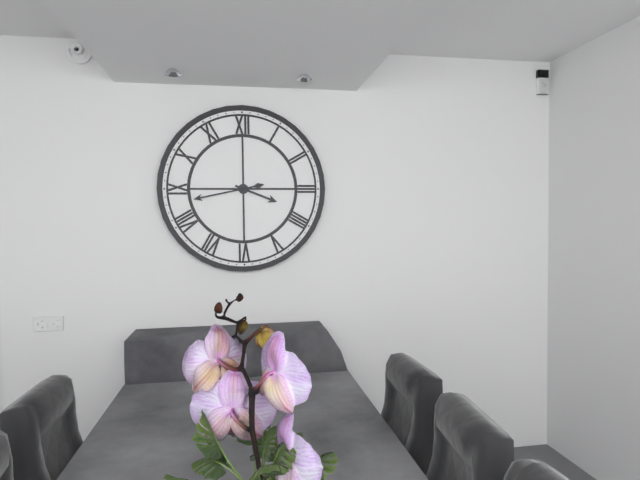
**3:43**
